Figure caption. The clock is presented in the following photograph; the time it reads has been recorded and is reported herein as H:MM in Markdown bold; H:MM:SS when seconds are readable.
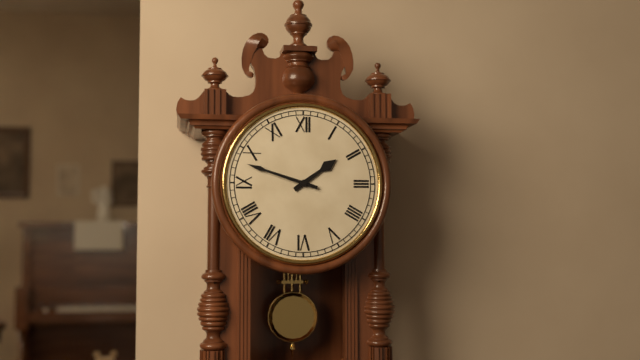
**1:48**
